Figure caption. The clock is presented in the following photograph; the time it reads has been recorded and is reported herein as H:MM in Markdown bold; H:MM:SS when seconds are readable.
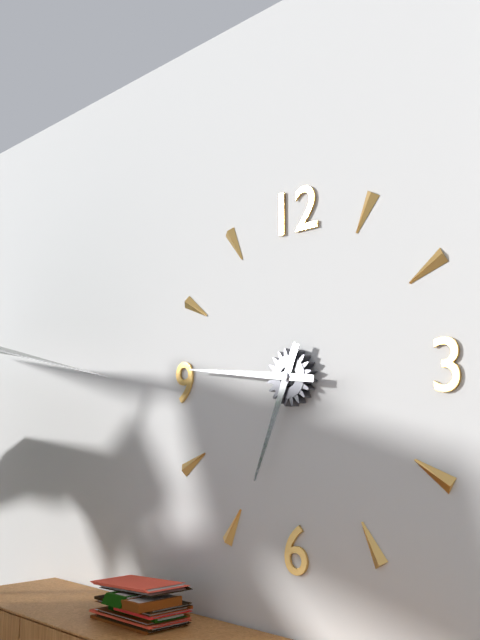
**6:46**
